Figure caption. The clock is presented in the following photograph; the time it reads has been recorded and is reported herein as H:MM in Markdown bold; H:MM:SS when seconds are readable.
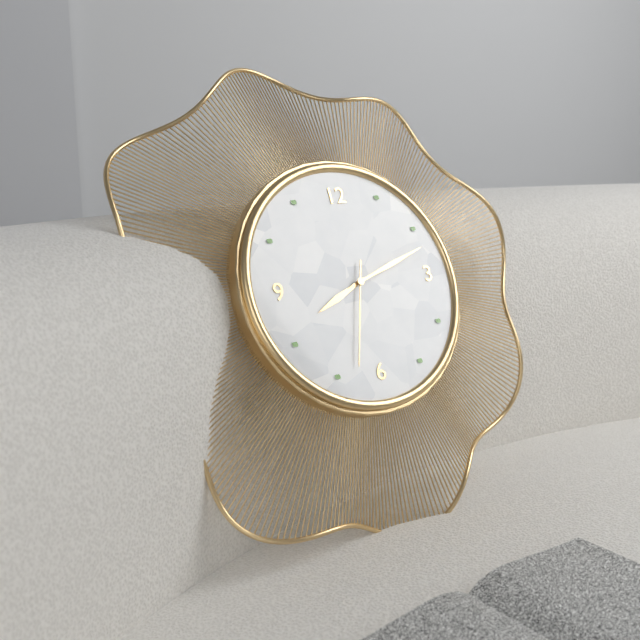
**8:12:33**
